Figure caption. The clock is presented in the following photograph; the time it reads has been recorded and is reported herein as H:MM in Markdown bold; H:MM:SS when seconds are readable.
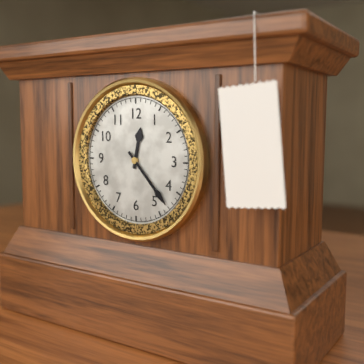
**12:23**
